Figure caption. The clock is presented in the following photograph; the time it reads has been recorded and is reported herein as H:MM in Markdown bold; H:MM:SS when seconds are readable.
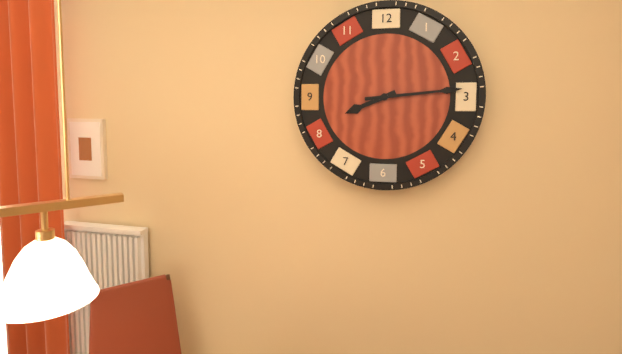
**8:14**
